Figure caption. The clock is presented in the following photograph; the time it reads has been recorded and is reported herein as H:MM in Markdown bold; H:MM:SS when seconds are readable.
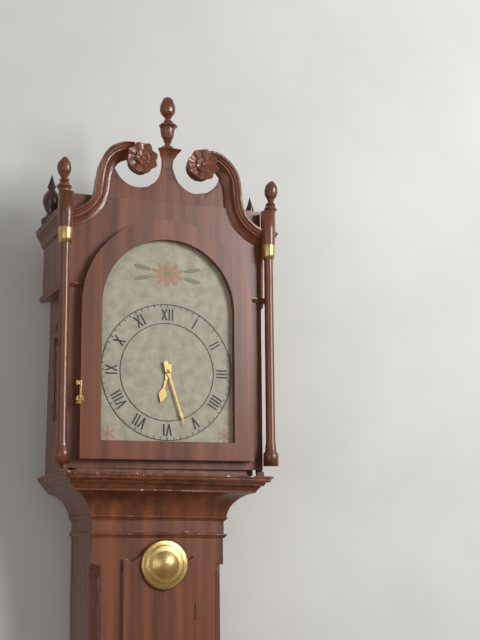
**6:27**
